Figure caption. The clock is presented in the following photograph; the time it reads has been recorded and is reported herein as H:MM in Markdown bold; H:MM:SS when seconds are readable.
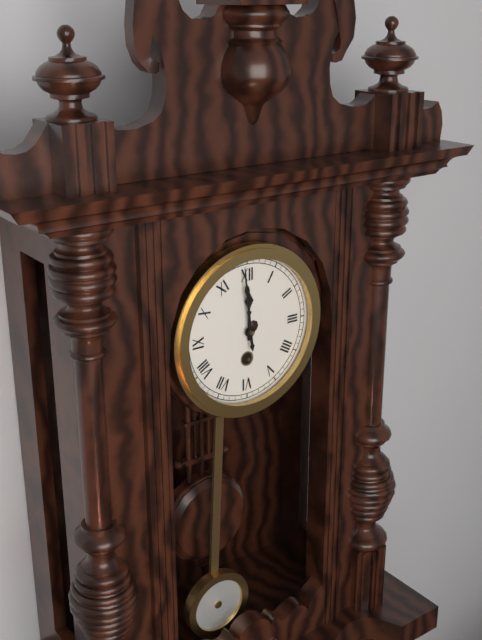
**11:59**
